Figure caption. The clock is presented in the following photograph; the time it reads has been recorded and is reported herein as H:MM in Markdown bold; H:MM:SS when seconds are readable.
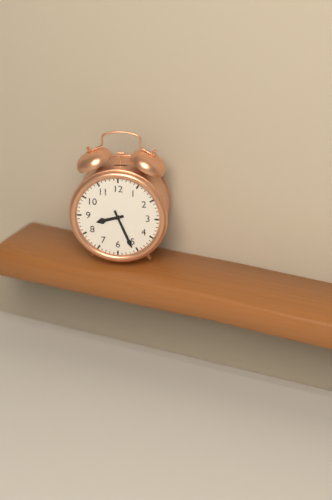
**8:26**
